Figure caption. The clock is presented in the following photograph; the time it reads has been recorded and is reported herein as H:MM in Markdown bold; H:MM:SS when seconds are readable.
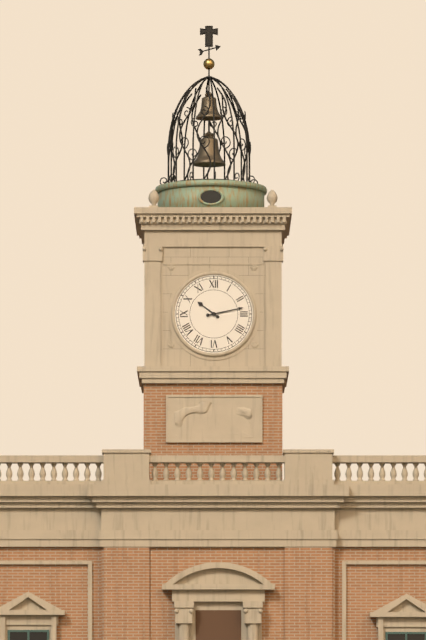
**10:13**
